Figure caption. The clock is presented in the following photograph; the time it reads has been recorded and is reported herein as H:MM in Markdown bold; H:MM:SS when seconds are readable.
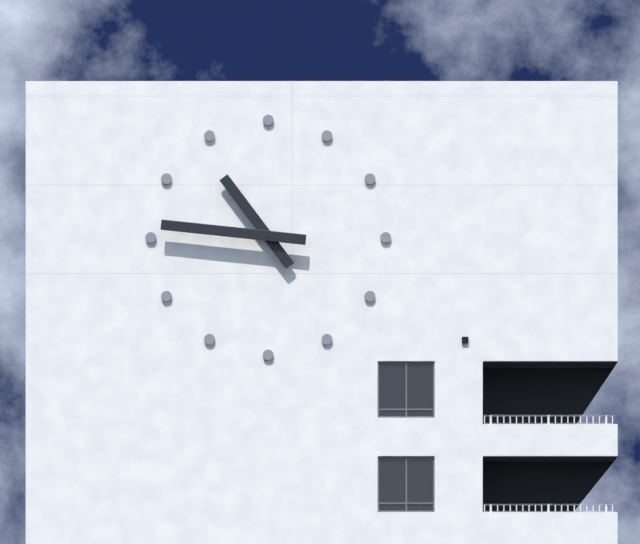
**10:46**
